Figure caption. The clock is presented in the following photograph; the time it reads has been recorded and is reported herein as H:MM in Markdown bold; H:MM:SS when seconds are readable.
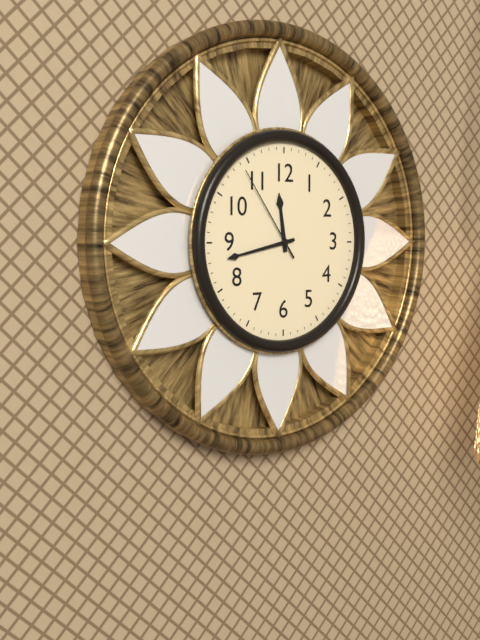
**11:43:54**
